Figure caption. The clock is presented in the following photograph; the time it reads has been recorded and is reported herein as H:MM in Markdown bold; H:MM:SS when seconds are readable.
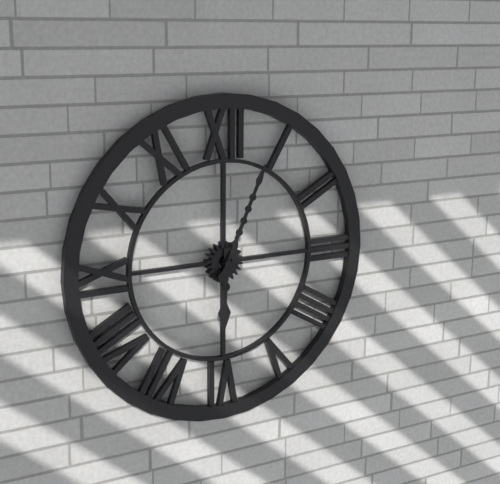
**6:04**
